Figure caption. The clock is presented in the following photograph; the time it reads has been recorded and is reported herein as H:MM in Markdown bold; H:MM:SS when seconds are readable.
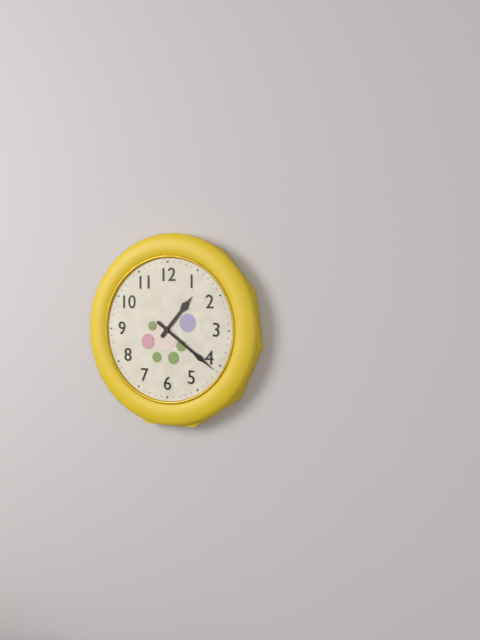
**1:21**
